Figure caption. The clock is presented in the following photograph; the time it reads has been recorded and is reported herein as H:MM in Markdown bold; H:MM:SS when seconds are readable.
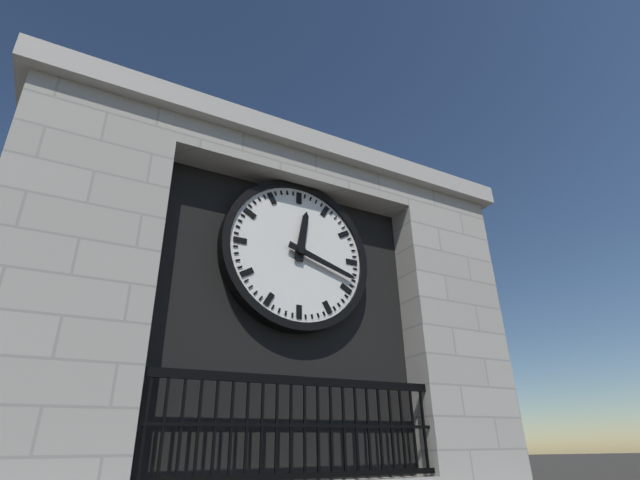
**12:18**
